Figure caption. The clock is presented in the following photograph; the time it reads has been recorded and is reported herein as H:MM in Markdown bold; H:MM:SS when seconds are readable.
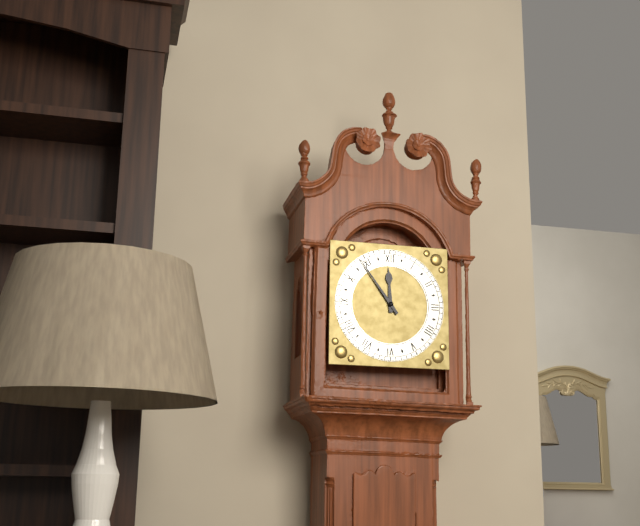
**11:54**
